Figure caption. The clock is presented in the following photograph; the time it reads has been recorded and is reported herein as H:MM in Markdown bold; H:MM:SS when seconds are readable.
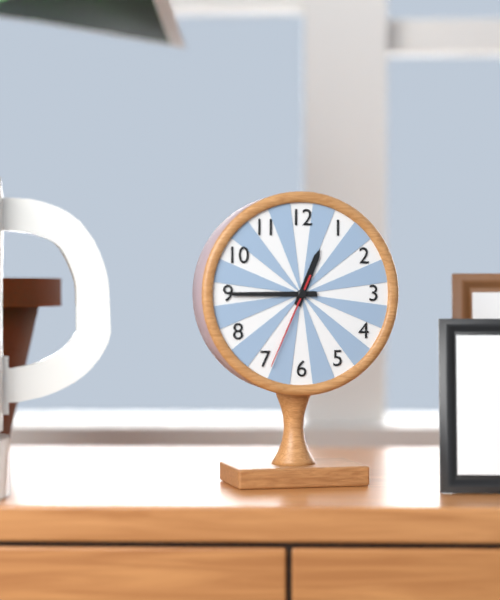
**12:45:34**
